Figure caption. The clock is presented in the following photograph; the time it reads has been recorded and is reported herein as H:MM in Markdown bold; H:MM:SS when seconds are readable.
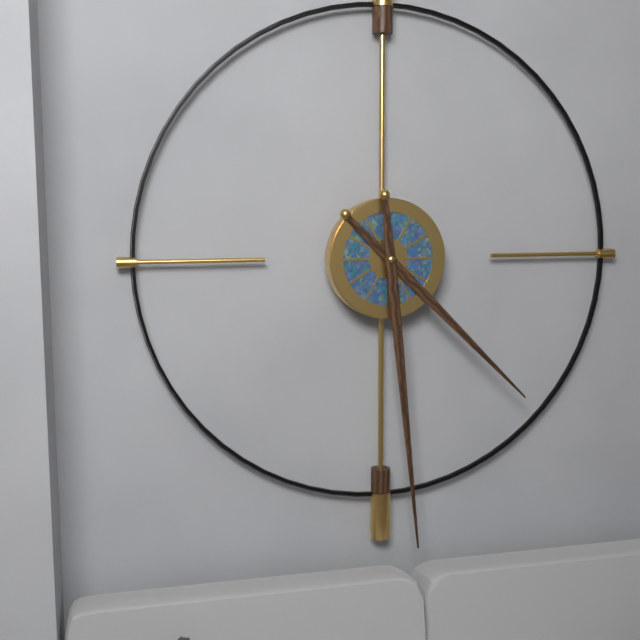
**4:29**
